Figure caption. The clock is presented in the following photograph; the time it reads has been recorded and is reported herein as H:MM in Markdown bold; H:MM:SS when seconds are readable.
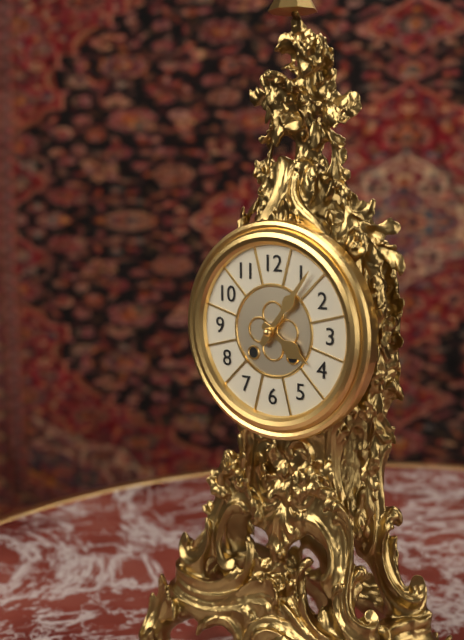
**4:06**
